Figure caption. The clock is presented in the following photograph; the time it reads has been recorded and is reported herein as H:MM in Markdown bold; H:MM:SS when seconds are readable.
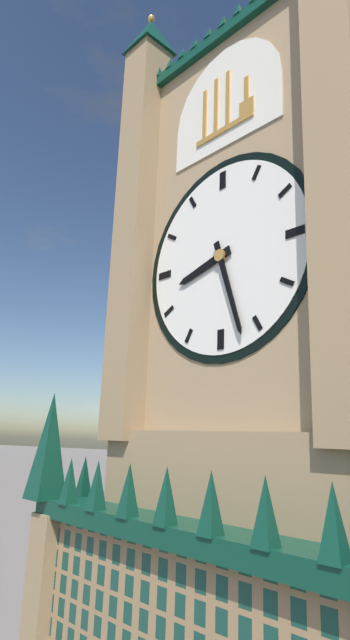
**8:27**
